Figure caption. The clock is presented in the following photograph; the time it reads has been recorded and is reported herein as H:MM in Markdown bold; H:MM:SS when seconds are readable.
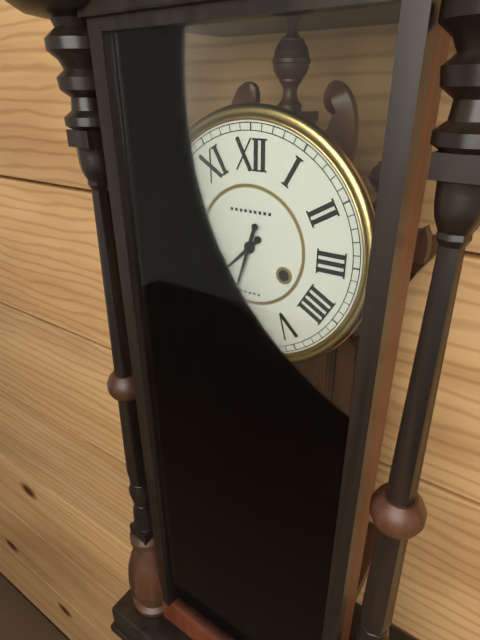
**7:33**
